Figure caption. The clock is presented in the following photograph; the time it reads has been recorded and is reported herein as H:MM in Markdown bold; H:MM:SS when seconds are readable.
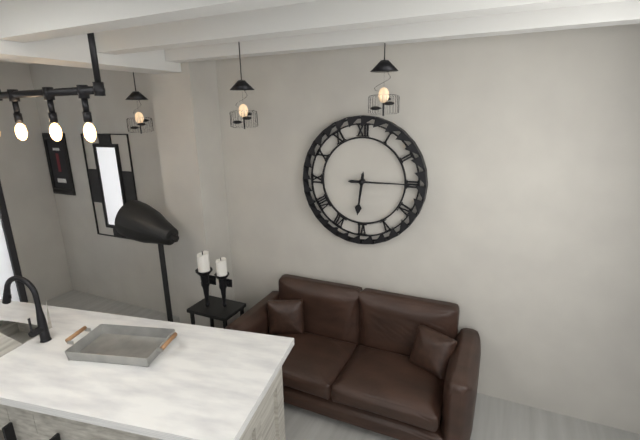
**6:15**
